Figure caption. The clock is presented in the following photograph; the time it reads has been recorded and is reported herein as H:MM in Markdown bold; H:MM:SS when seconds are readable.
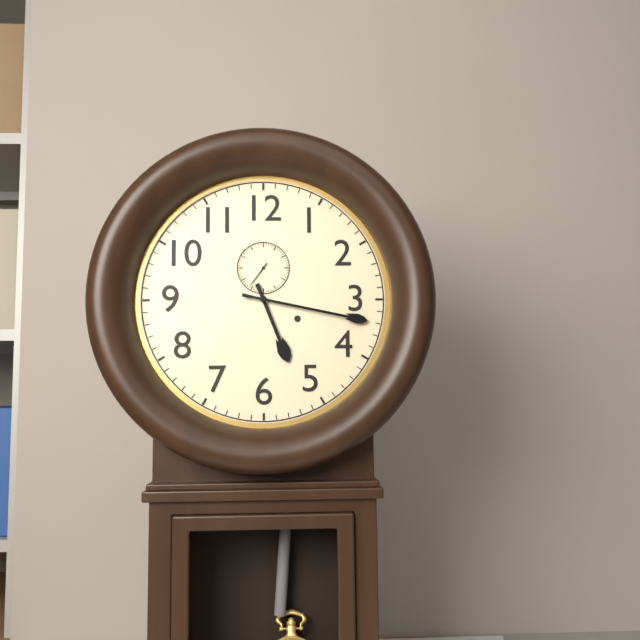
**5:17**
